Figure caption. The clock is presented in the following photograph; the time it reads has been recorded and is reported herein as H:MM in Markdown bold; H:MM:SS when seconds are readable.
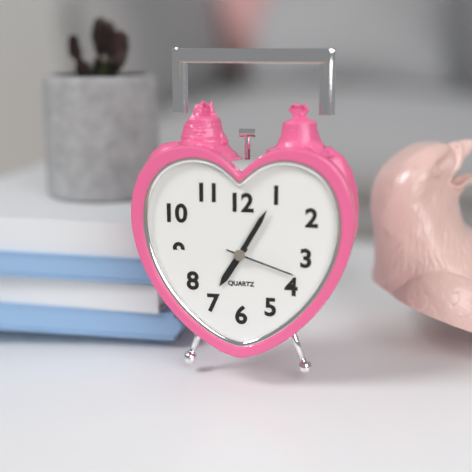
**7:05:18**
